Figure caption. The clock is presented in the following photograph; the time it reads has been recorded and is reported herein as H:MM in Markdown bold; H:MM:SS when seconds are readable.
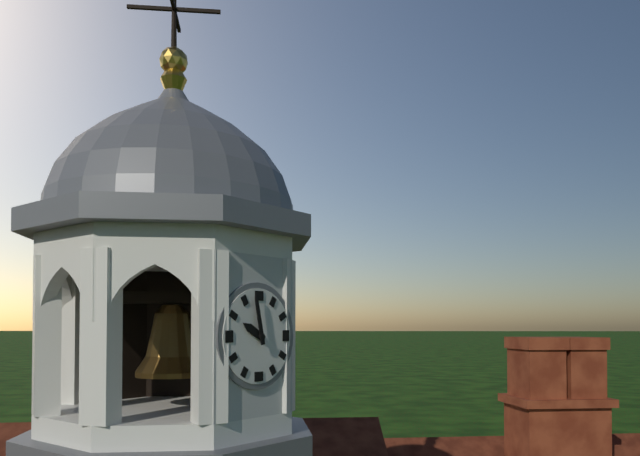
**9:58**
